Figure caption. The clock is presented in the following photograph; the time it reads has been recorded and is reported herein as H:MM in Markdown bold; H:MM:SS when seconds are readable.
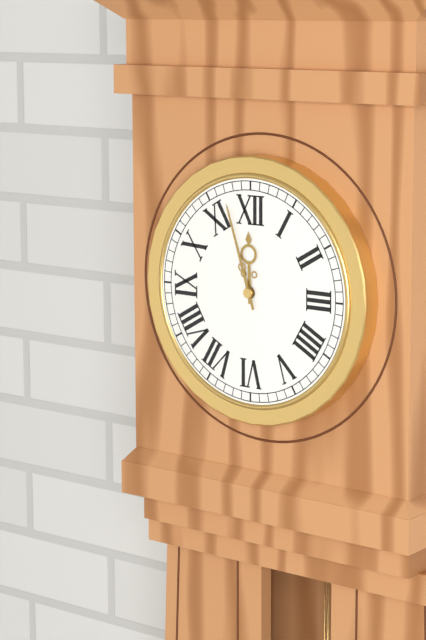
**11:57**
